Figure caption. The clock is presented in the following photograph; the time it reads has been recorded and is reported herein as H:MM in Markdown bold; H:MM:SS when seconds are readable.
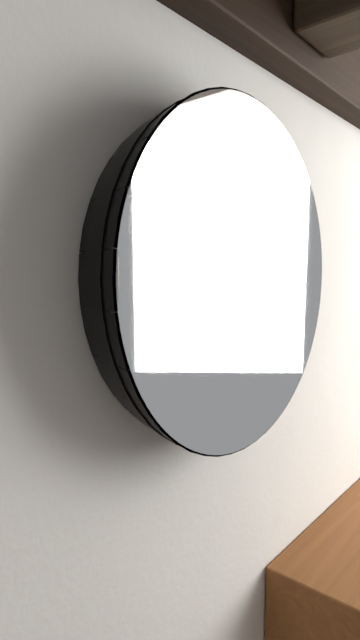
**7:55**
